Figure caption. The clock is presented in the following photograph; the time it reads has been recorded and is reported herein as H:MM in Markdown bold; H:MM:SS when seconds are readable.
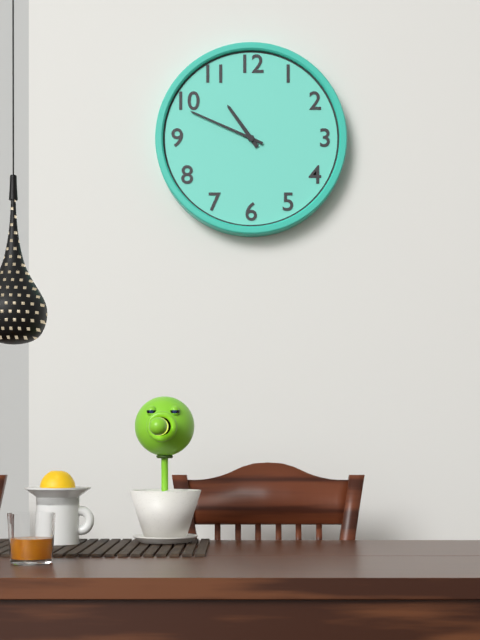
**10:49**
